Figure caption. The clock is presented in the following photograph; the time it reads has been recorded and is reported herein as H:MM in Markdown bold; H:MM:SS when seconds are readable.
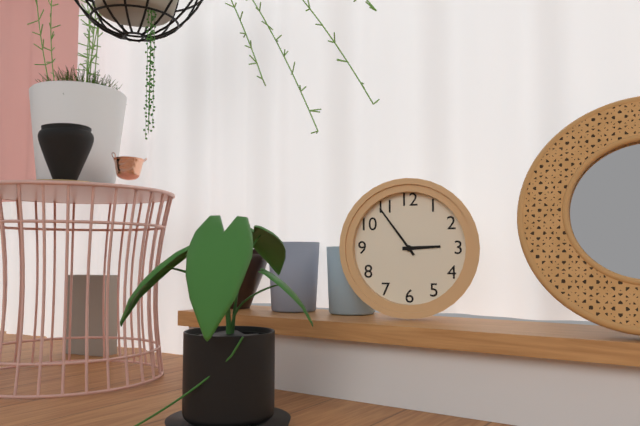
**2:54**
